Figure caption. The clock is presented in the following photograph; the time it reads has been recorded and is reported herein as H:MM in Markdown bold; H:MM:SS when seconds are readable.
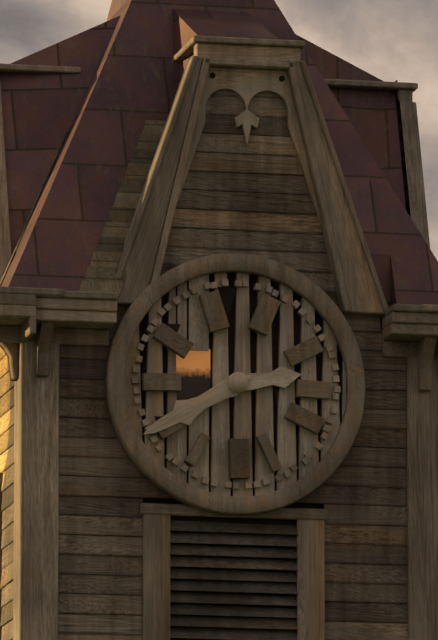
**2:40**
